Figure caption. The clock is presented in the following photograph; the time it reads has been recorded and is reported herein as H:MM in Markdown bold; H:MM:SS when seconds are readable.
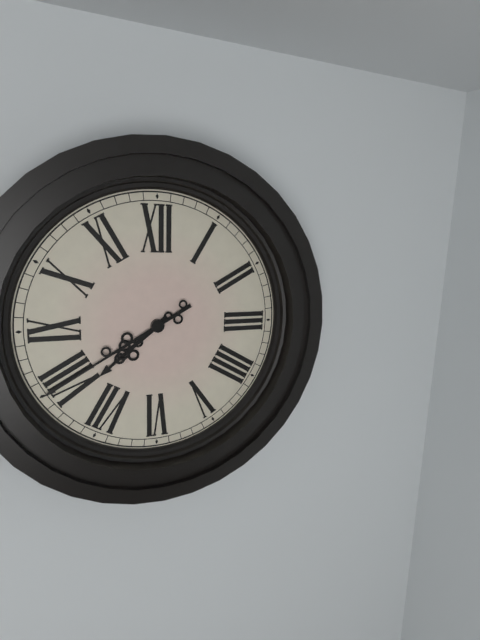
**7:40**
